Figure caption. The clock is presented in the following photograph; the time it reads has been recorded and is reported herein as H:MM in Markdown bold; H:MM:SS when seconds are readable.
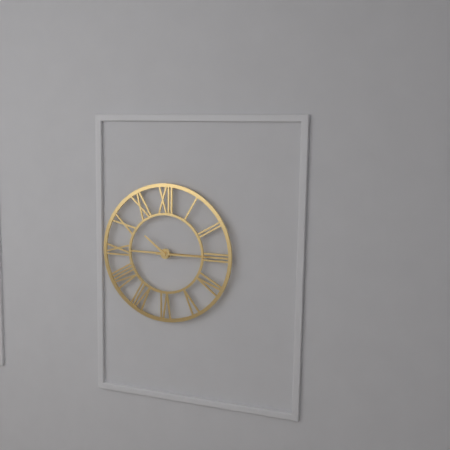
**10:15**
